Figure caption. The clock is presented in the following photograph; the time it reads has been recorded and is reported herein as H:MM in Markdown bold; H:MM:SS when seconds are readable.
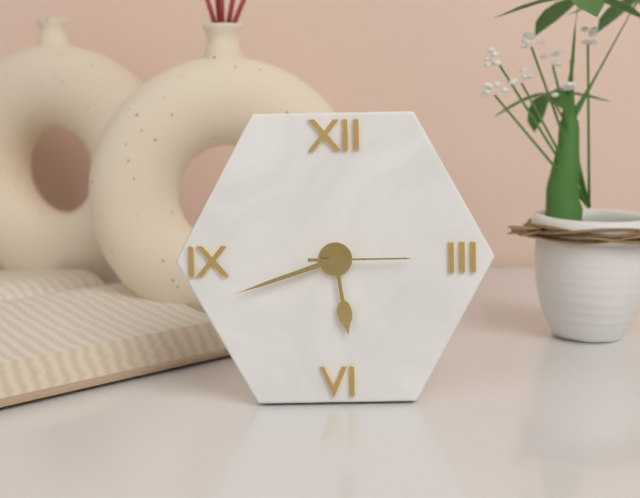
**5:42:15**
